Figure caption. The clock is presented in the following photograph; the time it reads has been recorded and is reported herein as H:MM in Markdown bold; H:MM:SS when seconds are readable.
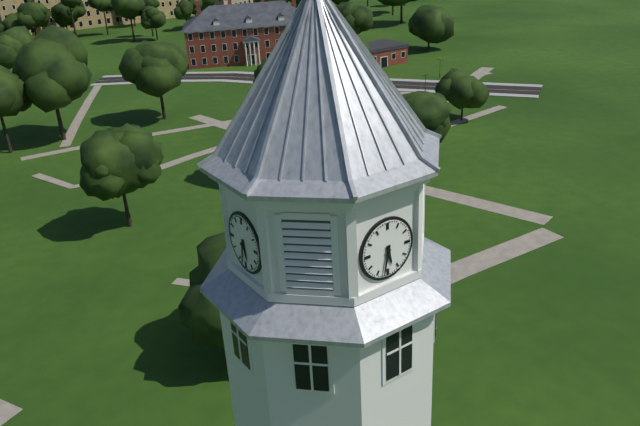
**5:32**
